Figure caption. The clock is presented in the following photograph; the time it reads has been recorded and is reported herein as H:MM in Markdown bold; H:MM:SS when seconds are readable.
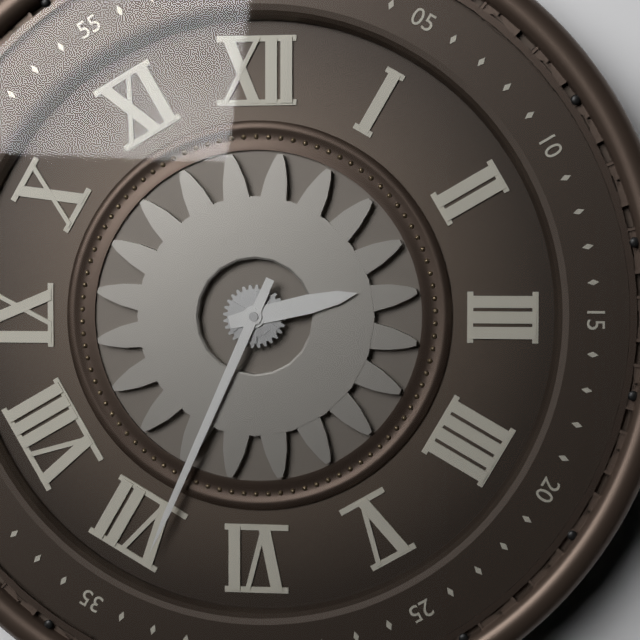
**2:34**
